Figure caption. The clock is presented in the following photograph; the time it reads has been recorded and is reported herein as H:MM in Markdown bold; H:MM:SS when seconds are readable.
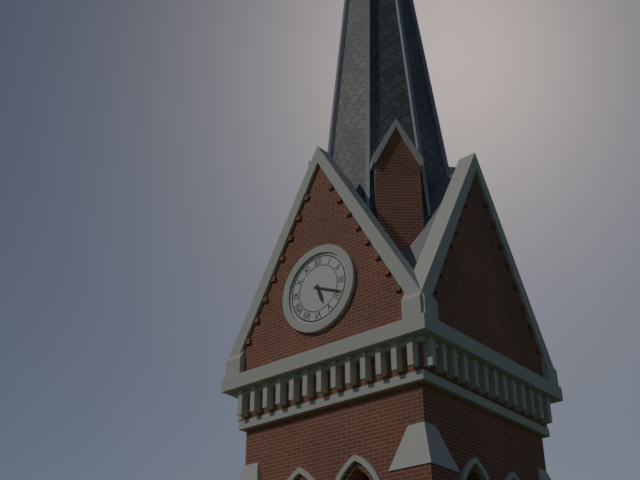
**5:19**
